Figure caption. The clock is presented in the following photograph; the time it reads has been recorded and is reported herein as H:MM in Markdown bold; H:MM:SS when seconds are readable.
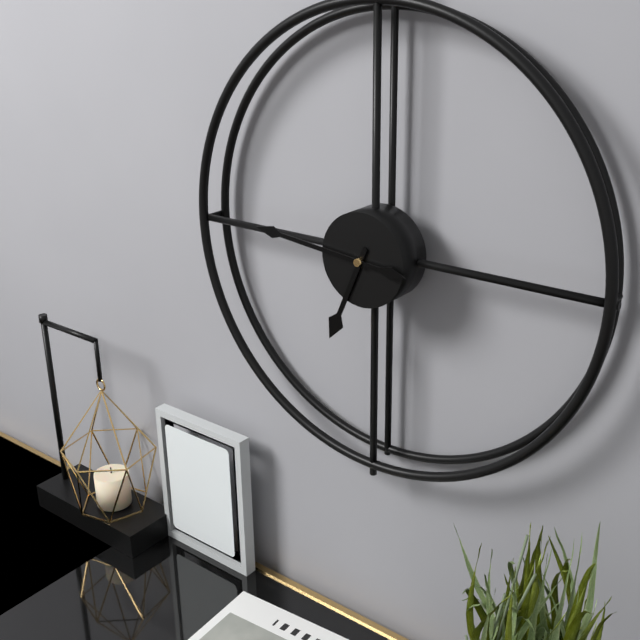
**6:46**
